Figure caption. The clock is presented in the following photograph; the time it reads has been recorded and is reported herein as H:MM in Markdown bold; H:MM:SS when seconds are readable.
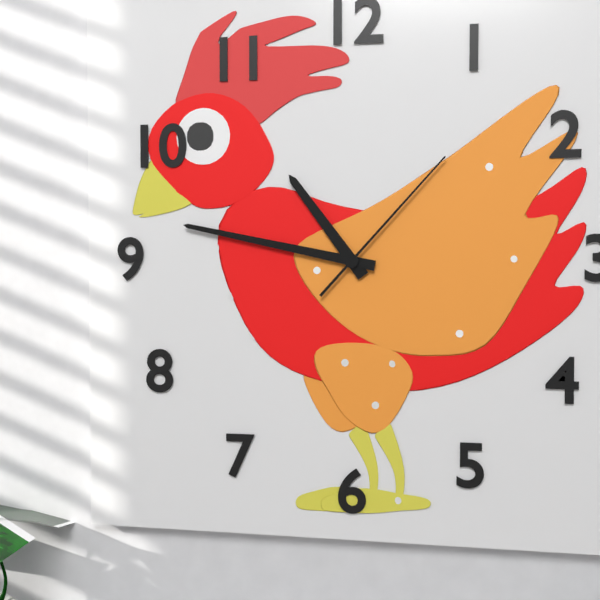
**10:47:07**
